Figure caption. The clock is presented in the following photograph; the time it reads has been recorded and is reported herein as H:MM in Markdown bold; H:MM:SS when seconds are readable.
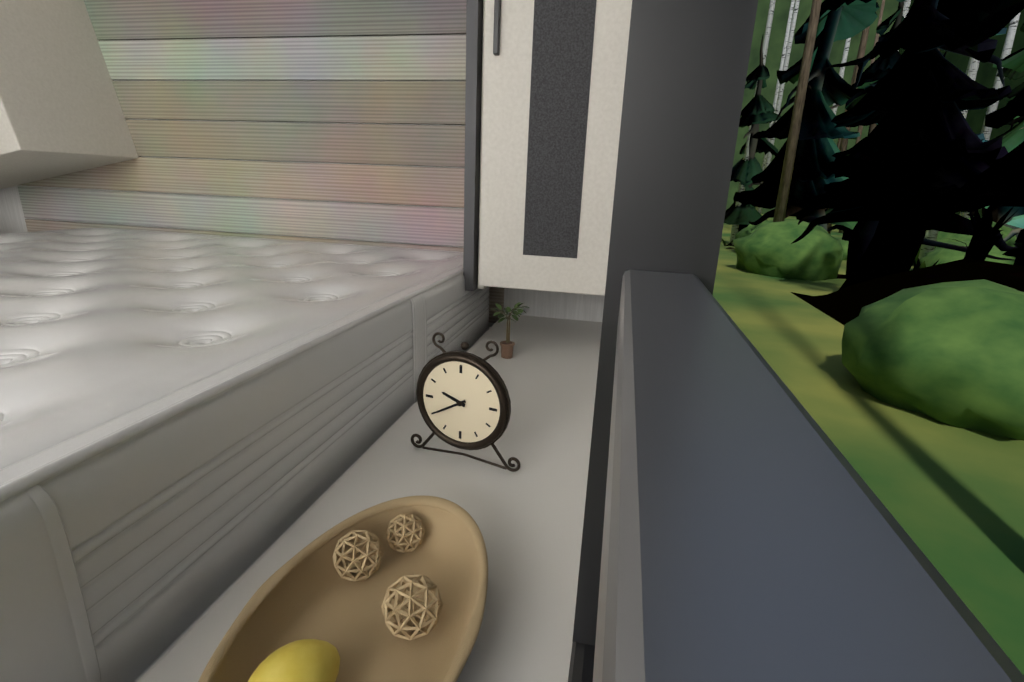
**9:40**
